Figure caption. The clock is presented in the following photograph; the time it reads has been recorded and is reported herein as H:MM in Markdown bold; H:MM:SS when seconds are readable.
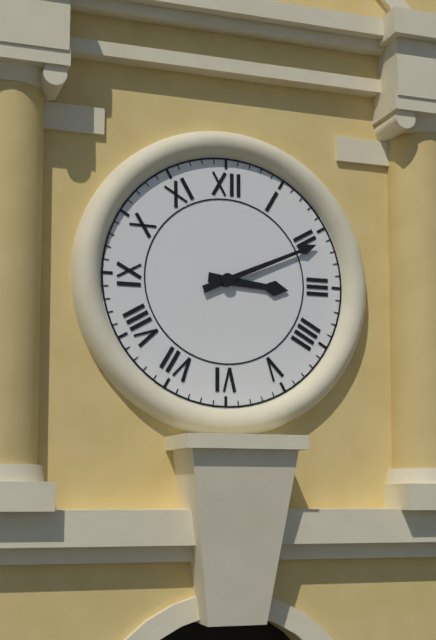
**3:11**
